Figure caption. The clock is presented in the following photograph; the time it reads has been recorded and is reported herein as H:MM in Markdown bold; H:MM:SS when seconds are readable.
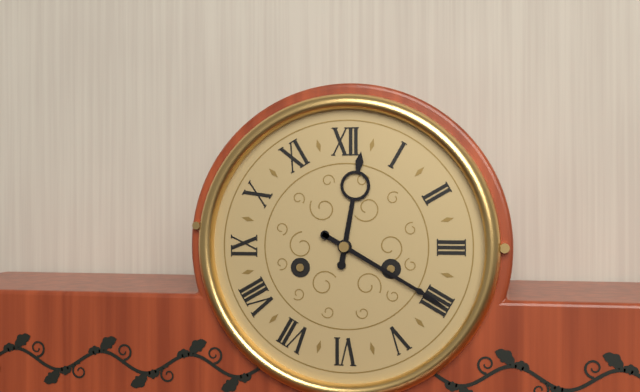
**12:20**
